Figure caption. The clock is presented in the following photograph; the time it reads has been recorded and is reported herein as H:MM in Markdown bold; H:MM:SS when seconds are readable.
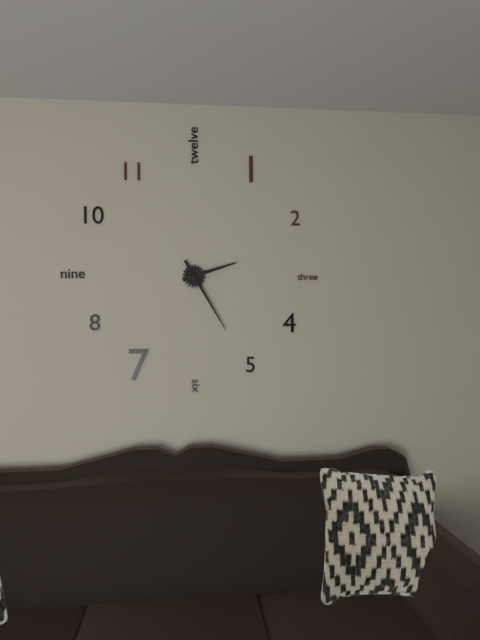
**2:25**
